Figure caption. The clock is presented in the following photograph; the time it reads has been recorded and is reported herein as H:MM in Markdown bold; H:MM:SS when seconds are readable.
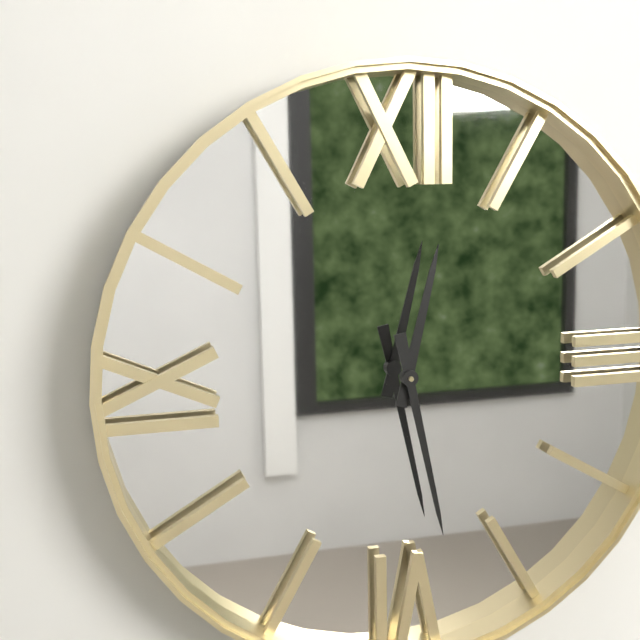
**12:28**
